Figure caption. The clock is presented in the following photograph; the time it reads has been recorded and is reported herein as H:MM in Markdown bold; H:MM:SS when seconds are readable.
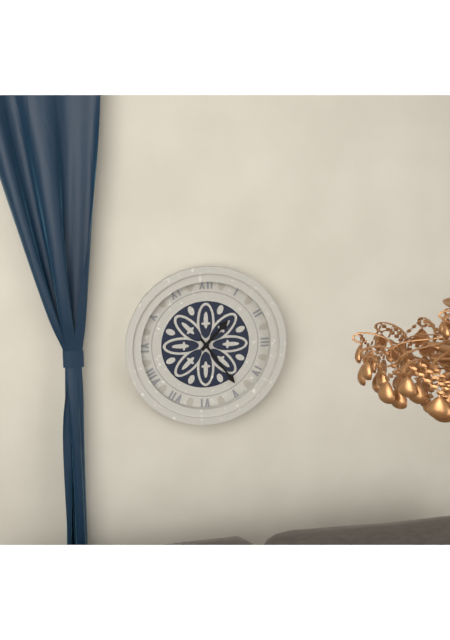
**1:24**
